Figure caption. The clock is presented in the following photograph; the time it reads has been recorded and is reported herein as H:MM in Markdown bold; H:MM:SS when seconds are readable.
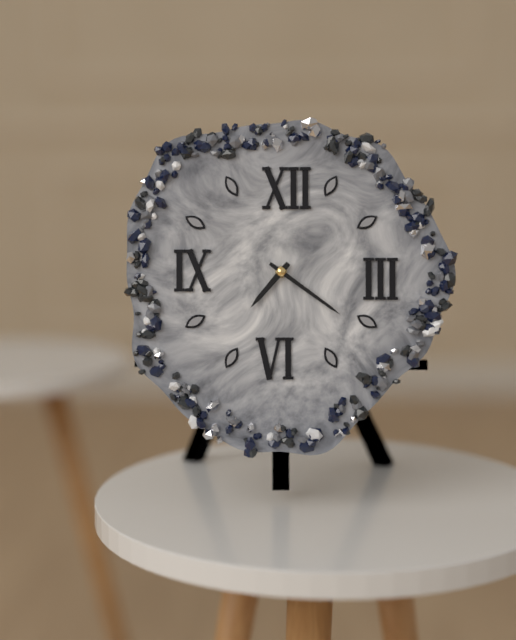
**7:21**
